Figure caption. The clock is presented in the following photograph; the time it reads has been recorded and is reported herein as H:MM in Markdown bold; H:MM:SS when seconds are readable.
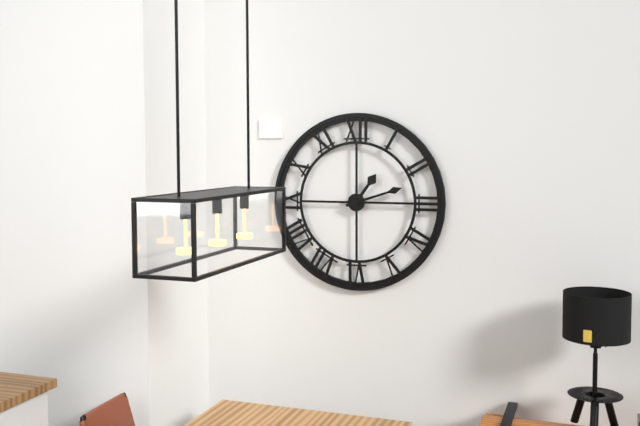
**1:12**
